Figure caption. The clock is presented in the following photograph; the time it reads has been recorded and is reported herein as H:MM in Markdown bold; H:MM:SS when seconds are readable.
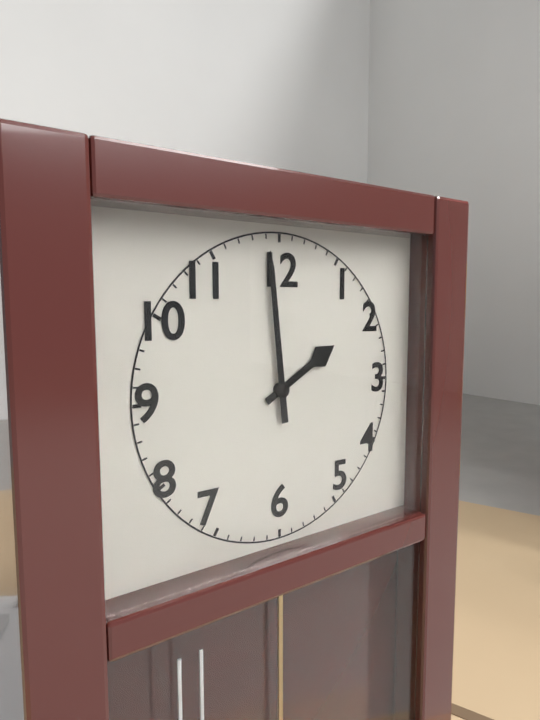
**1:59**
